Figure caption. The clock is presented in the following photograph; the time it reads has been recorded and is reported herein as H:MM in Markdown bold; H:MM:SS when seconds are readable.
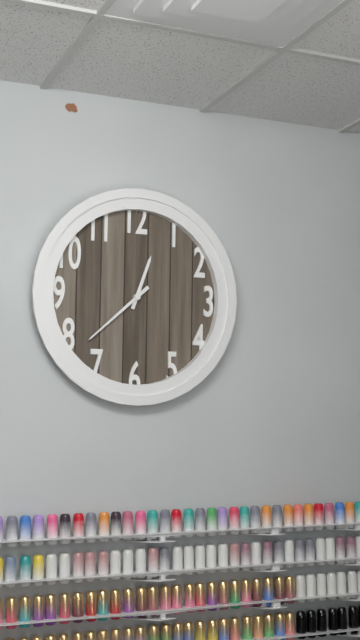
**12:38**
